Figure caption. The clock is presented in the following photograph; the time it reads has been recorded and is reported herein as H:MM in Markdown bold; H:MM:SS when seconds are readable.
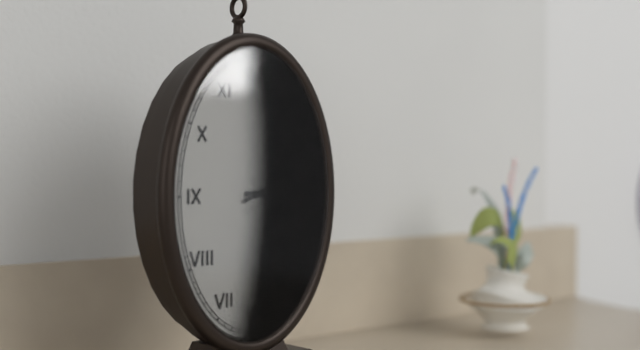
**3:11**
